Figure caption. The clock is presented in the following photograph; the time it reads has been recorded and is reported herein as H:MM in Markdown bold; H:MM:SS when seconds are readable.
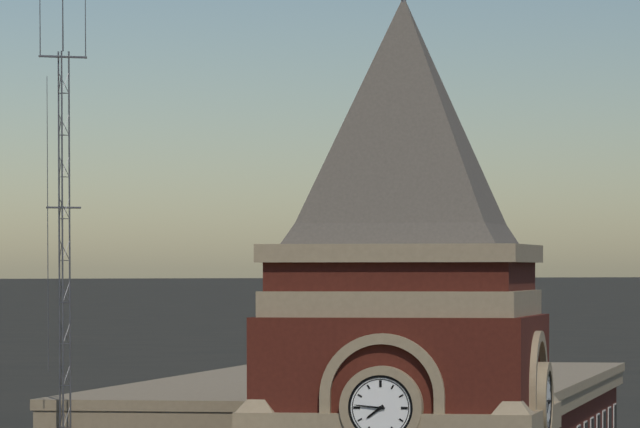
**7:46**
